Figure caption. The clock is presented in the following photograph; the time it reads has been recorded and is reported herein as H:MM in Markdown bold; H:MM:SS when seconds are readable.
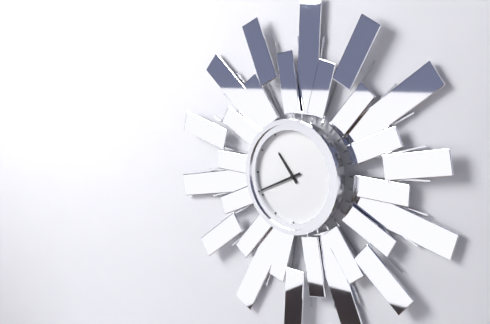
**10:41**
